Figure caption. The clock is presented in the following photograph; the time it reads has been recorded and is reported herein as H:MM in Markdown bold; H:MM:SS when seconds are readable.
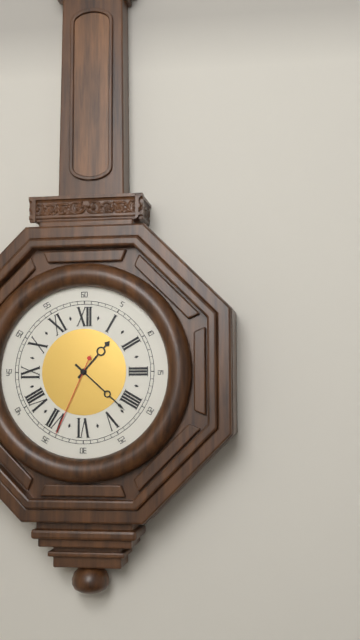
**1:22:34**
